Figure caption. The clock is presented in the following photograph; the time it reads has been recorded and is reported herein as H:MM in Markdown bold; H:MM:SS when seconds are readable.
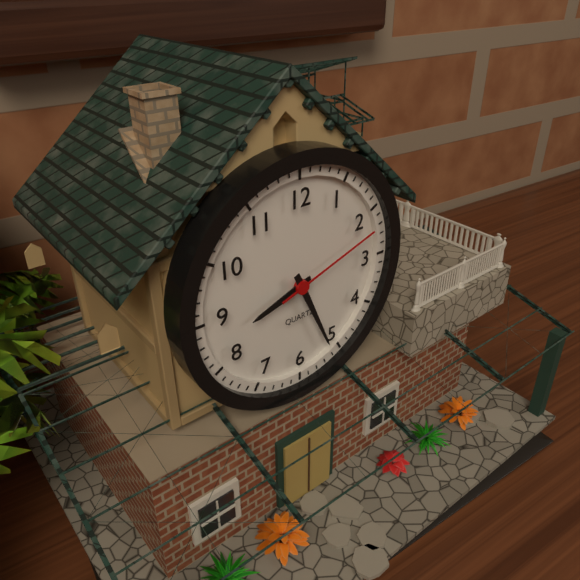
**8:26:12**
